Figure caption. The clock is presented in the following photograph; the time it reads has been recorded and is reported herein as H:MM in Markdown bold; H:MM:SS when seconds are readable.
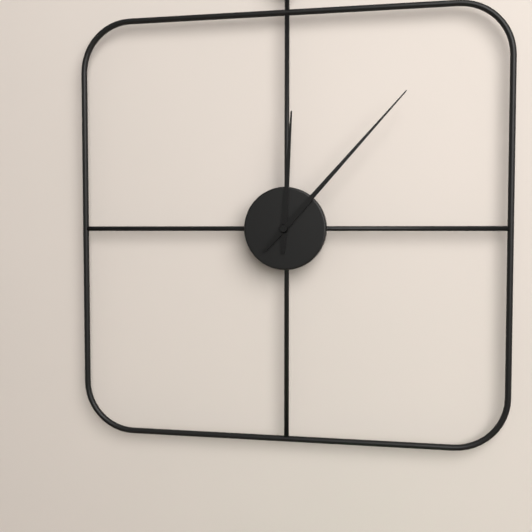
**12:07**
